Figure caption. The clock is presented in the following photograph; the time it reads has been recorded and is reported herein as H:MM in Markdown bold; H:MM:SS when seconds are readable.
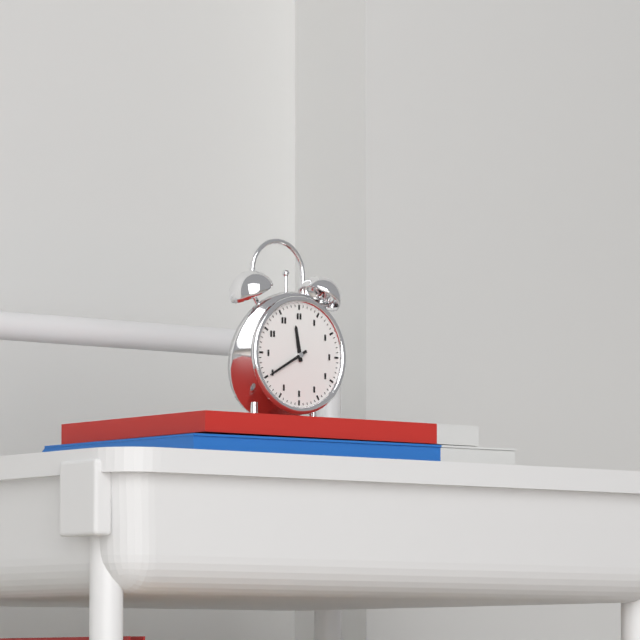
**11:40**
